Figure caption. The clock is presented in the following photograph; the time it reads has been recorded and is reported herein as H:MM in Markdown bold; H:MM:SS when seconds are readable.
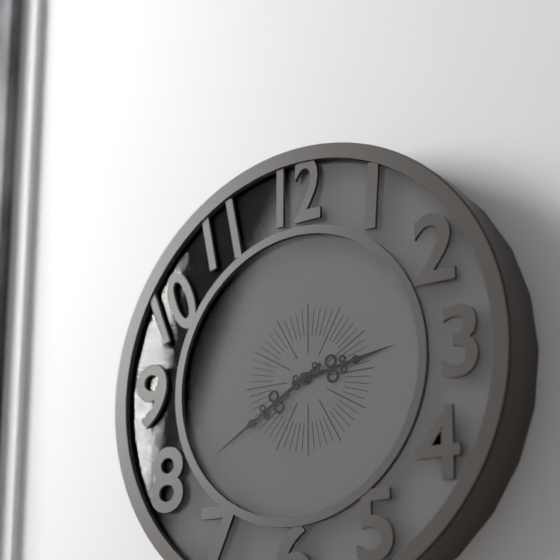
**2:40**
